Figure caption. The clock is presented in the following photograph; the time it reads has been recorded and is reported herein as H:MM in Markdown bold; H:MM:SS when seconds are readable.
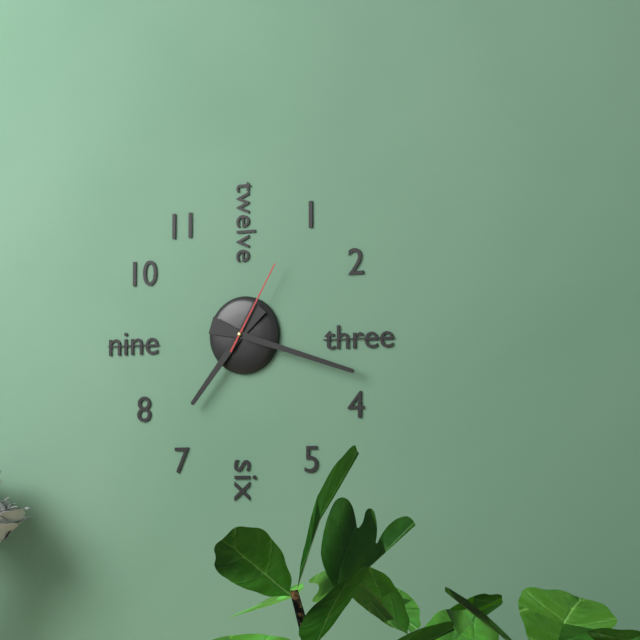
**7:18:05**
